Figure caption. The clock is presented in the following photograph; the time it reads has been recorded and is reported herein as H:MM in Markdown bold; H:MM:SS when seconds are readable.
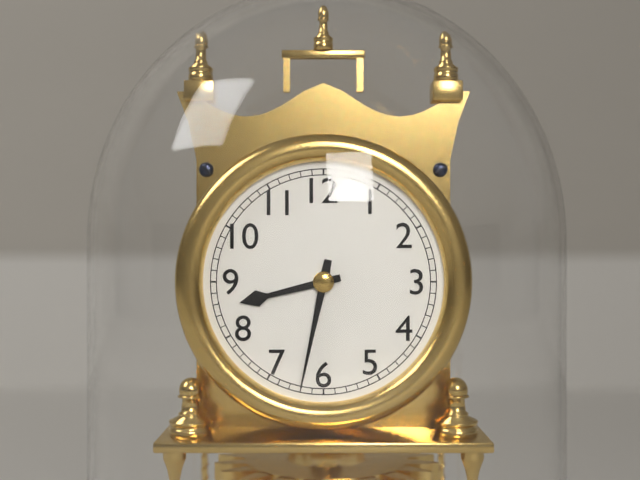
**8:32**
